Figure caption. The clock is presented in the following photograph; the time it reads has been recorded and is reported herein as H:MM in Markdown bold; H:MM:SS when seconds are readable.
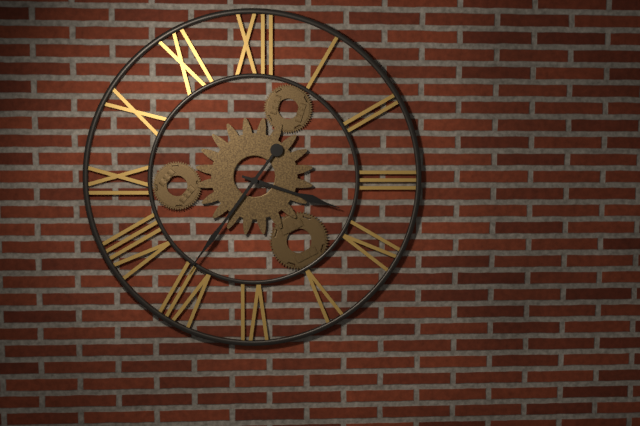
**3:36**
